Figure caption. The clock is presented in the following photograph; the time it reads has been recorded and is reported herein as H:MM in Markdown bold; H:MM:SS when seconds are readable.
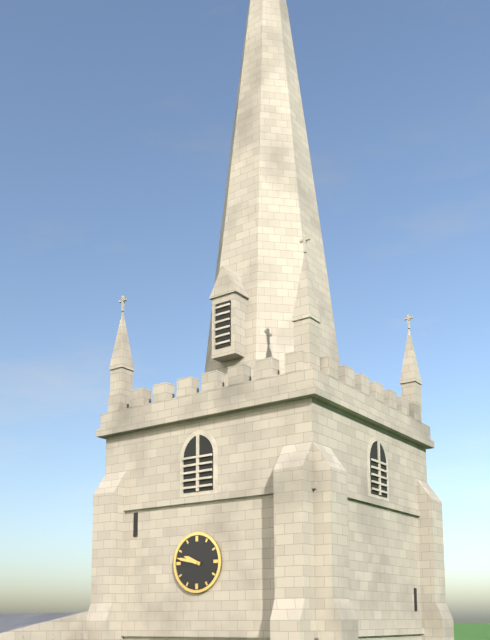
**9:47**
